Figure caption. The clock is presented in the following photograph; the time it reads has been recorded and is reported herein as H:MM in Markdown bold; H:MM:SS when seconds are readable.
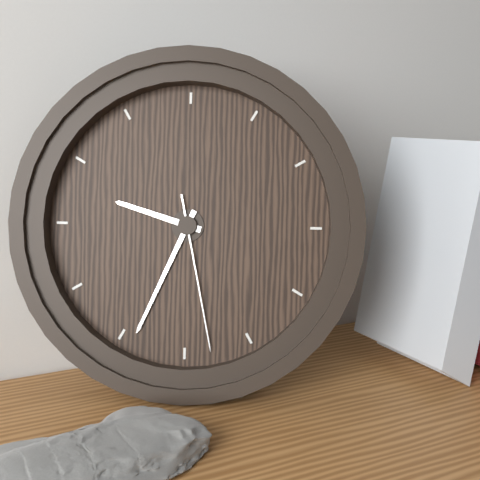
**9:34:28**
